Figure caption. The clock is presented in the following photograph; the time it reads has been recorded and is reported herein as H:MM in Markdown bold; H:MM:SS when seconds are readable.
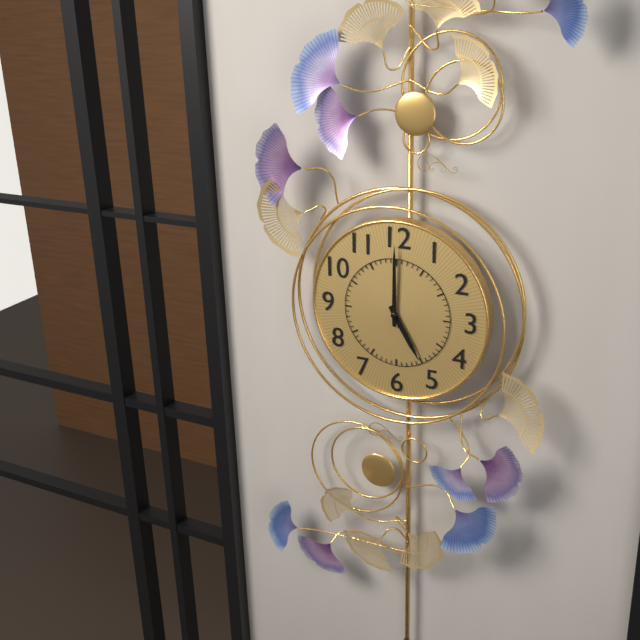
**5:00**
